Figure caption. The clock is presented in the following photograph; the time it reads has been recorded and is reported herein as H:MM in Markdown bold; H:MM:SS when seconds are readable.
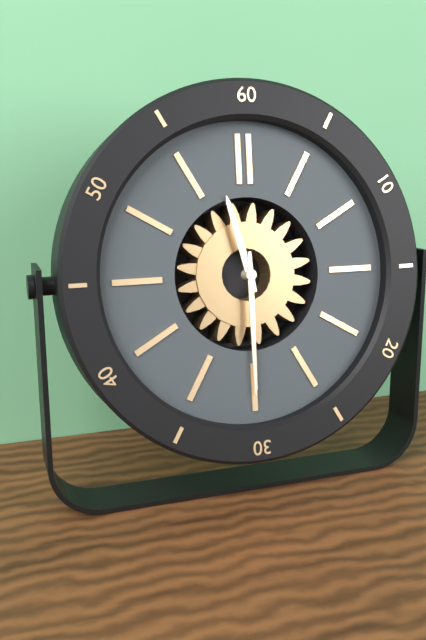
**11:30**
